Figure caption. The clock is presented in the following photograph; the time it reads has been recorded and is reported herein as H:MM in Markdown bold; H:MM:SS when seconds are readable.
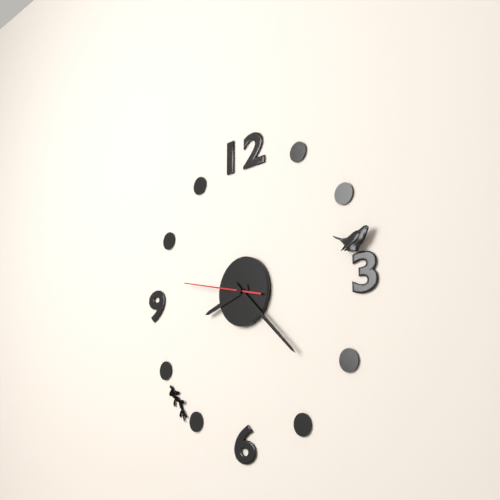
**8:22:47**
